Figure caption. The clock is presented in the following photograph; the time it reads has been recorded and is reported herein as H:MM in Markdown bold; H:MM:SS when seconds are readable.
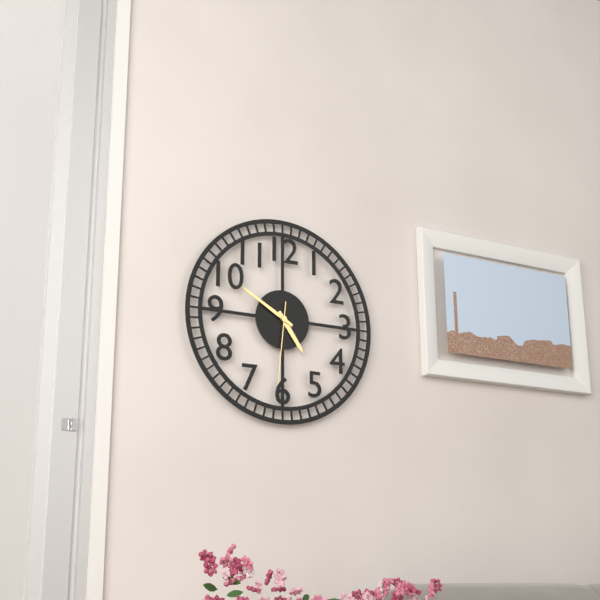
**4:50:31**
